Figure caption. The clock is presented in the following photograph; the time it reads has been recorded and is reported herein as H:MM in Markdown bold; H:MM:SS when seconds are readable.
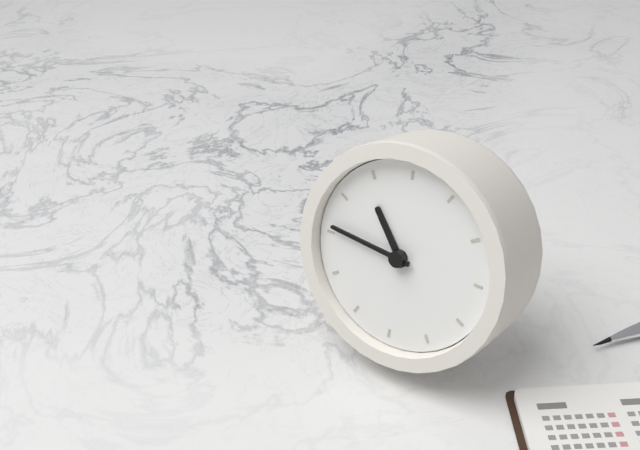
**10:46**
